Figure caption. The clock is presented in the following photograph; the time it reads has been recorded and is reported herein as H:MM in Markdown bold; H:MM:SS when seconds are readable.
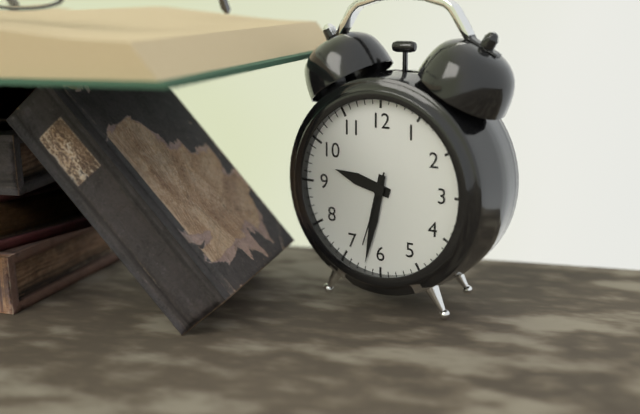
**9:32:33**
